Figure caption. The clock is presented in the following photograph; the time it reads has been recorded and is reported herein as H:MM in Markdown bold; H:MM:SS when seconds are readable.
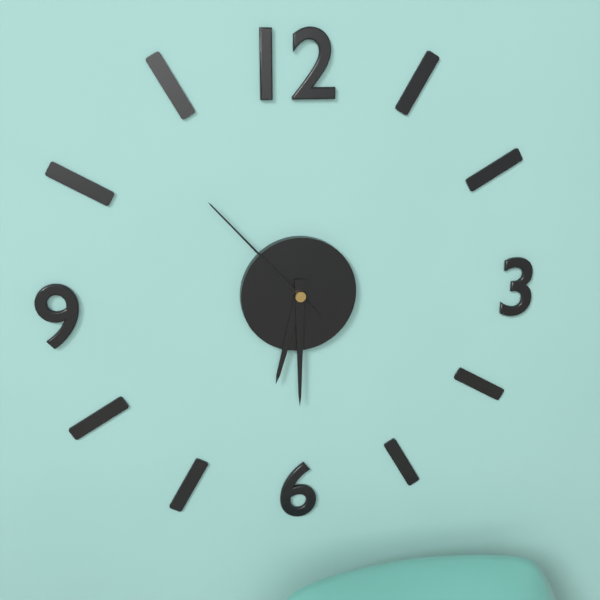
**6:30:53**
